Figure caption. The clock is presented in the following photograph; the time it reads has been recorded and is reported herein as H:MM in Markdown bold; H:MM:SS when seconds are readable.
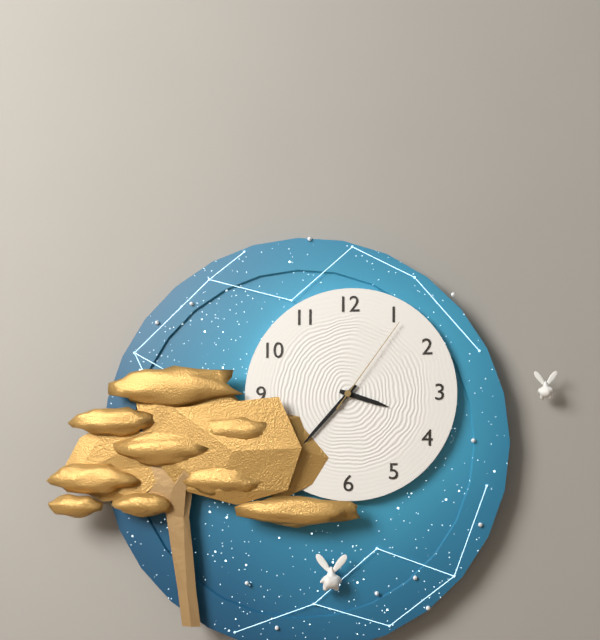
**3:37:06**
